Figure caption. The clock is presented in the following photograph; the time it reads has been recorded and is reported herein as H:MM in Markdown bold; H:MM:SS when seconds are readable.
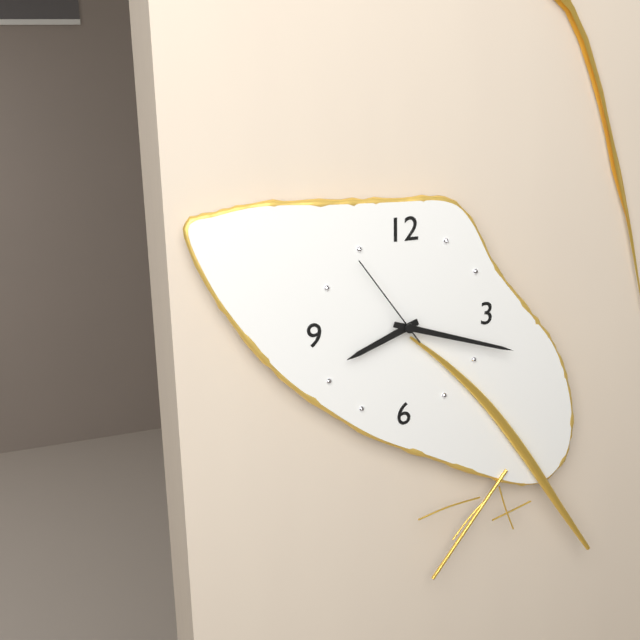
**8:18:54**
